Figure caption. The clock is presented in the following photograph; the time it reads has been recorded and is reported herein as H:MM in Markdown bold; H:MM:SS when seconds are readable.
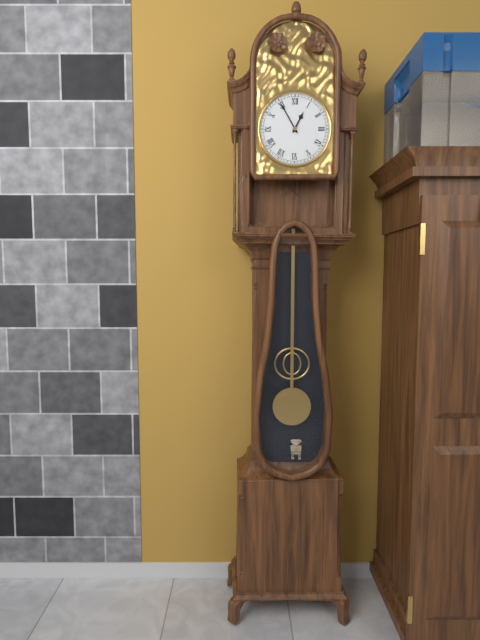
**12:55**
